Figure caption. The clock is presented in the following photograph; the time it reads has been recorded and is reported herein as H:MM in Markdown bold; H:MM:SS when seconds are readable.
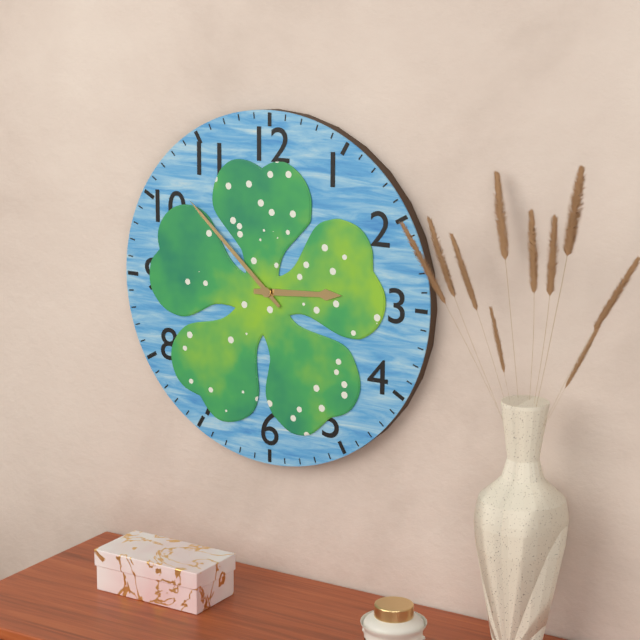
**2:52**
